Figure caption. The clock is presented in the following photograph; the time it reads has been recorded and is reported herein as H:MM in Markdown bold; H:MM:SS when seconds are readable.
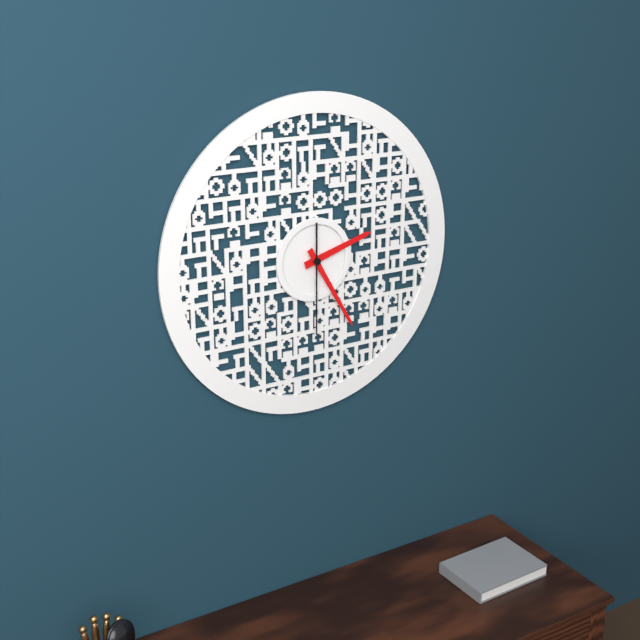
**2:25:30**
